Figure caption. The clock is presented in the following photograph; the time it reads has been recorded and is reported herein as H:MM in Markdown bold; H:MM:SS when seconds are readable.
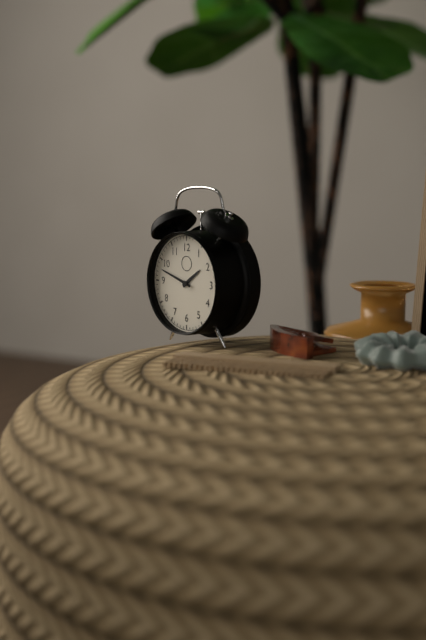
**1:48**
